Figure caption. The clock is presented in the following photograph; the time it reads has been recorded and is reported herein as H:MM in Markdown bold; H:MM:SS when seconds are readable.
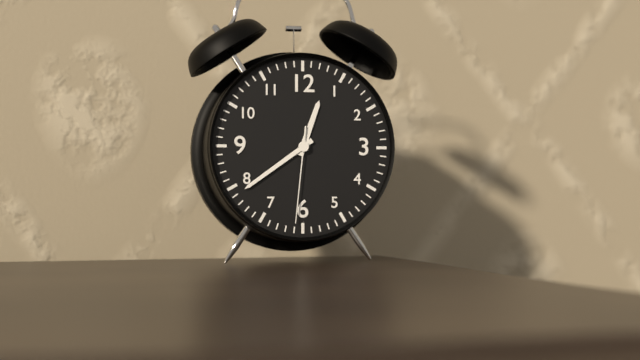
**12:39:31**
